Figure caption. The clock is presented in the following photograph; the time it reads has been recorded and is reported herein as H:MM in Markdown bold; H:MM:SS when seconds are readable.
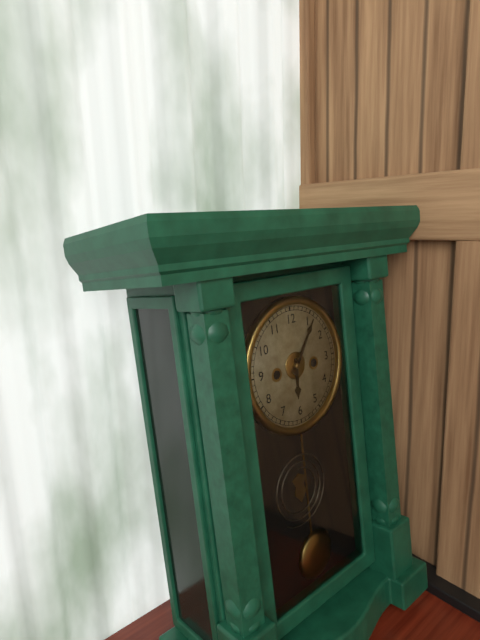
**6:06**
